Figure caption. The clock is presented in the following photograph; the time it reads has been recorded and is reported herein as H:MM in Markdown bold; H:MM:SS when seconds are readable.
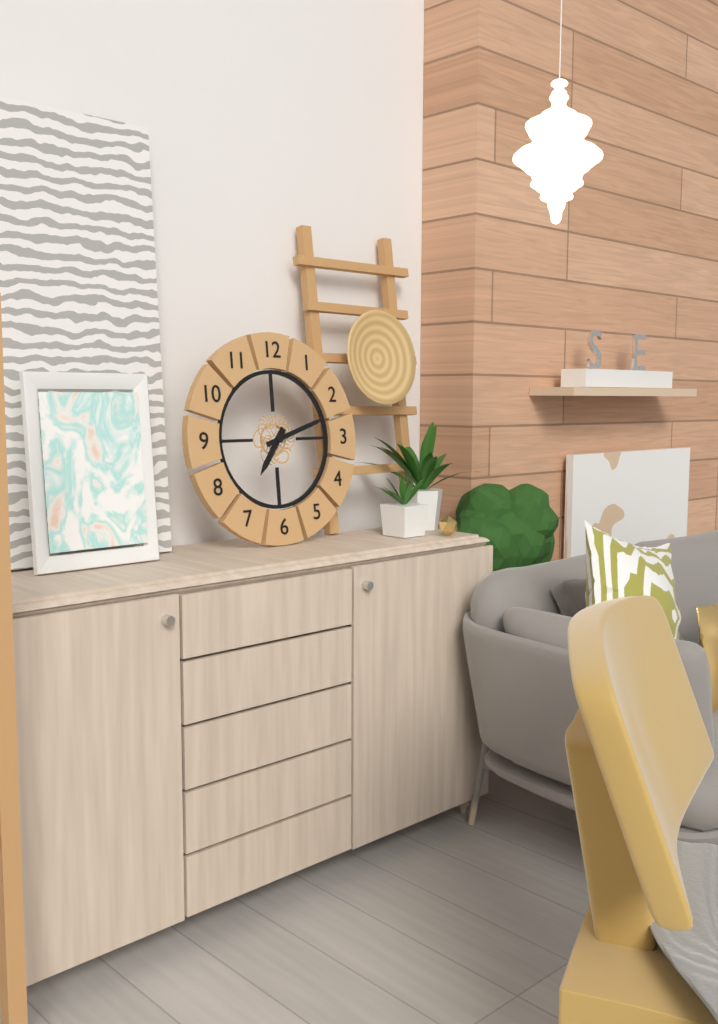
**7:12**
